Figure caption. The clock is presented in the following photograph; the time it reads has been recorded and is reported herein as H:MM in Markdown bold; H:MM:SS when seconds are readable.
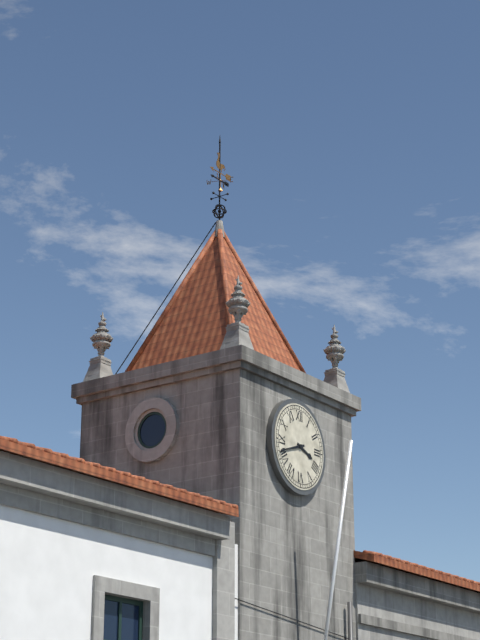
**3:42**
